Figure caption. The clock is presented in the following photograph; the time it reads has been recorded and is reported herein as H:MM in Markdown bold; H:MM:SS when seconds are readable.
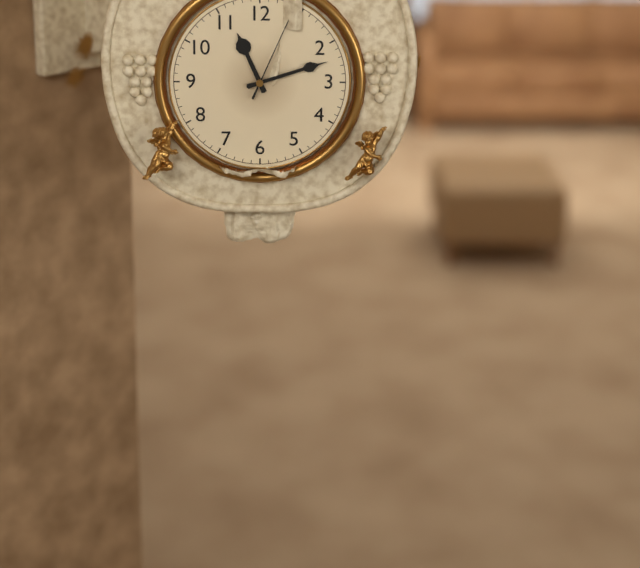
**11:12:04**
